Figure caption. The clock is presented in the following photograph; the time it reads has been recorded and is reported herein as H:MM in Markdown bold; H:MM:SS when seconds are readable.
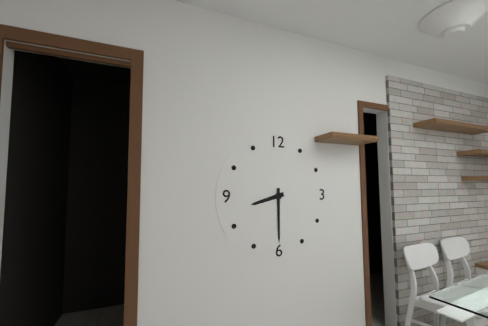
**8:30**
